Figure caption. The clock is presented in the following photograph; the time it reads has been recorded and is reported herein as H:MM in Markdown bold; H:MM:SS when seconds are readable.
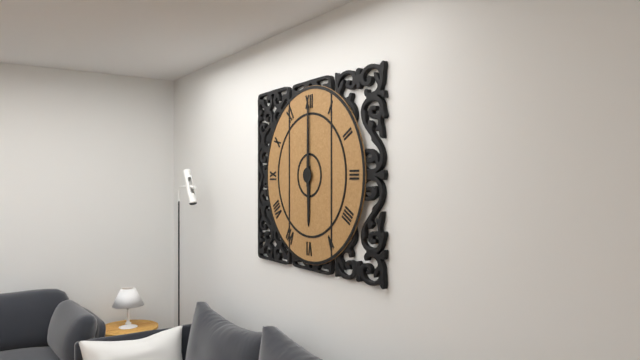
**6:00**
